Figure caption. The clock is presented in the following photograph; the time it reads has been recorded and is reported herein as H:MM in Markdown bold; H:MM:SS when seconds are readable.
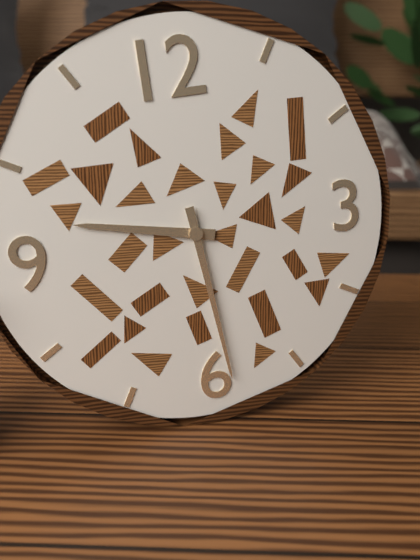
**9:29**
